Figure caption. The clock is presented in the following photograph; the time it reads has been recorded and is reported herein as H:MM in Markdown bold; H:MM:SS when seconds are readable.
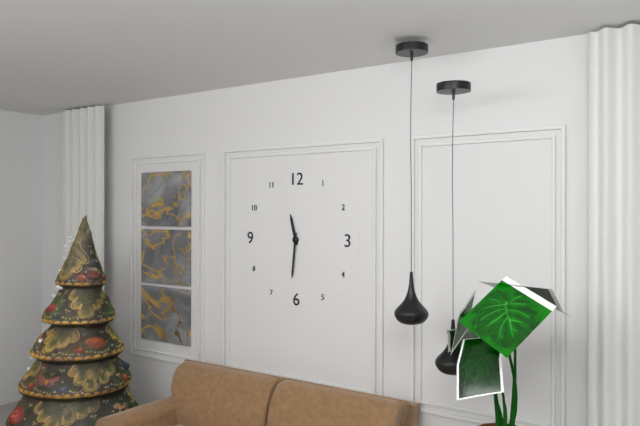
**11:31**
